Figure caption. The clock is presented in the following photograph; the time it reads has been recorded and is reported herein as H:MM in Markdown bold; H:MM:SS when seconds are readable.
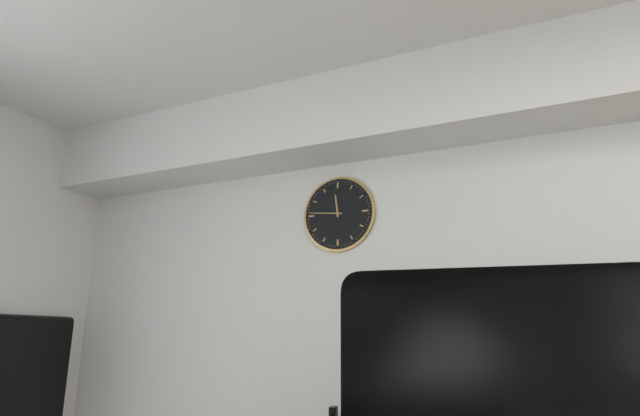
**11:46**
